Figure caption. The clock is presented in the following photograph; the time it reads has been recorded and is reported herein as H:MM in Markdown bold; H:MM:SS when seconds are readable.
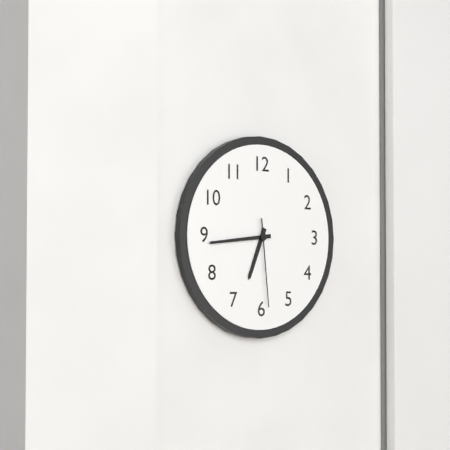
**6:44:29**
